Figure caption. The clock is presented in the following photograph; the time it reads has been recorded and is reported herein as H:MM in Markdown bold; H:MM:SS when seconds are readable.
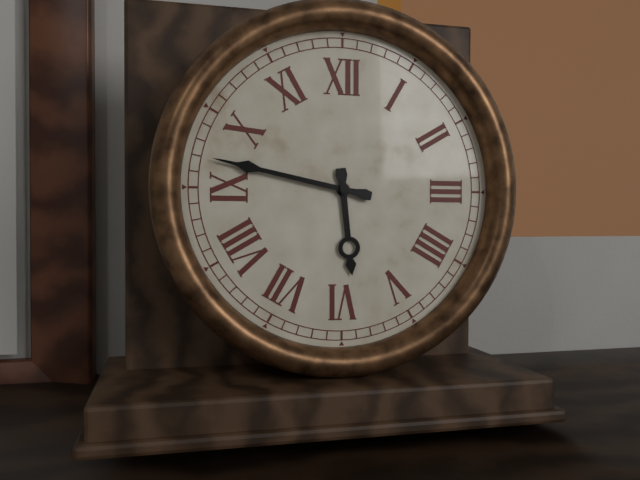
**5:47**
